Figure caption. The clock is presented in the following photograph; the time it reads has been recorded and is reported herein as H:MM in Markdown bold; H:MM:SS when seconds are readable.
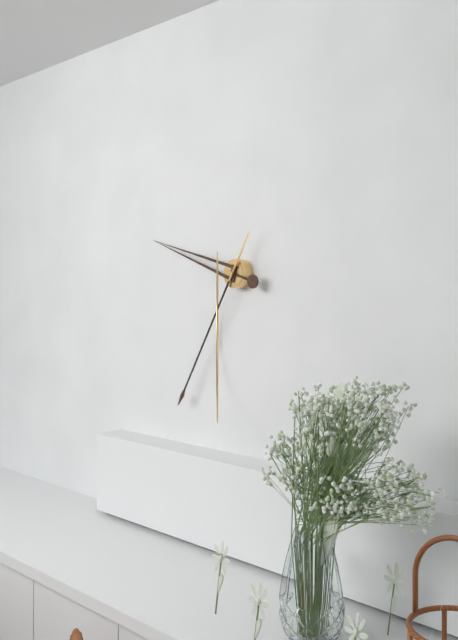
**9:35**
